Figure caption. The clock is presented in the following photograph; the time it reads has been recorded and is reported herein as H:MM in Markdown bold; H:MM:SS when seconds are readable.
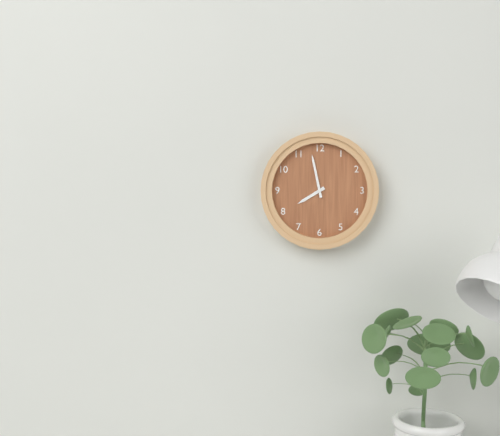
**7:58**
